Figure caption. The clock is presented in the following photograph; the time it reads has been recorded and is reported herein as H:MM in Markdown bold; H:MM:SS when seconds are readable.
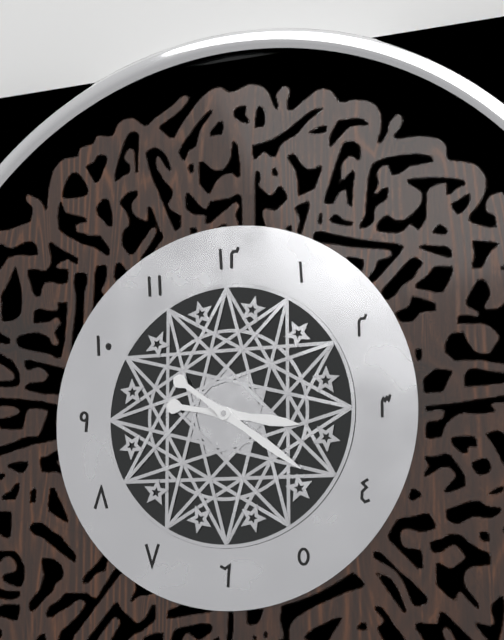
**3:21**
